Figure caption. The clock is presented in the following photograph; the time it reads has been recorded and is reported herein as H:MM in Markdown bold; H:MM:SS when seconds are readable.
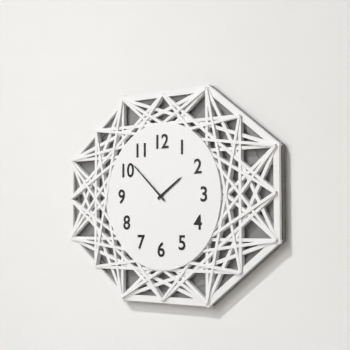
**1:52**
